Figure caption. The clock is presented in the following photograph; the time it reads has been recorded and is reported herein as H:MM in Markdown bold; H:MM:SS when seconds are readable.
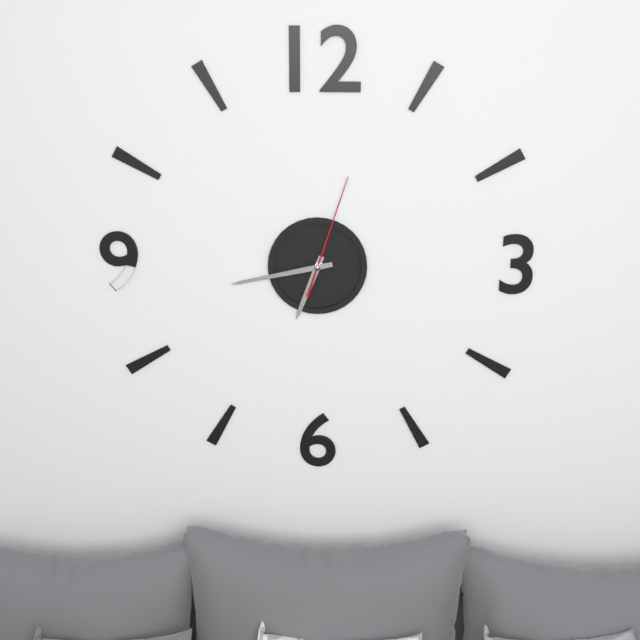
**6:43:03**
